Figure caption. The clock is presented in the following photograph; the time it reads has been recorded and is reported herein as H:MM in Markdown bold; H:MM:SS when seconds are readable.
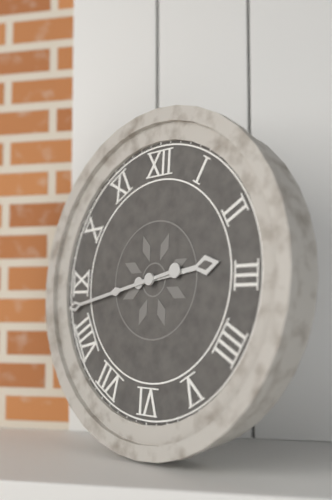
**2:43**
